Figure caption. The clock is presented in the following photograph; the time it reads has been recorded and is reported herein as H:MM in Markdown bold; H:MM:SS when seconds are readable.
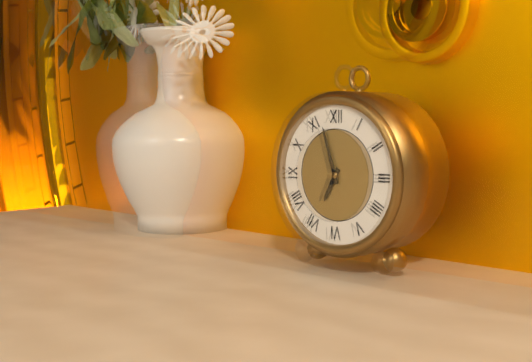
**6:57**
